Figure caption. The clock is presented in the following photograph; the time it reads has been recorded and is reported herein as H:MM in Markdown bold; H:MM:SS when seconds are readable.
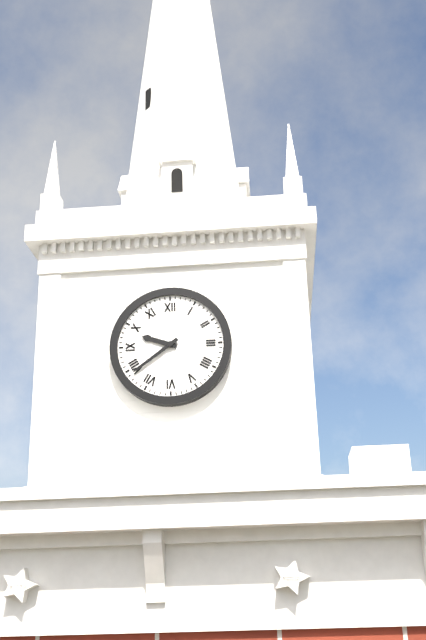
**9:39**
